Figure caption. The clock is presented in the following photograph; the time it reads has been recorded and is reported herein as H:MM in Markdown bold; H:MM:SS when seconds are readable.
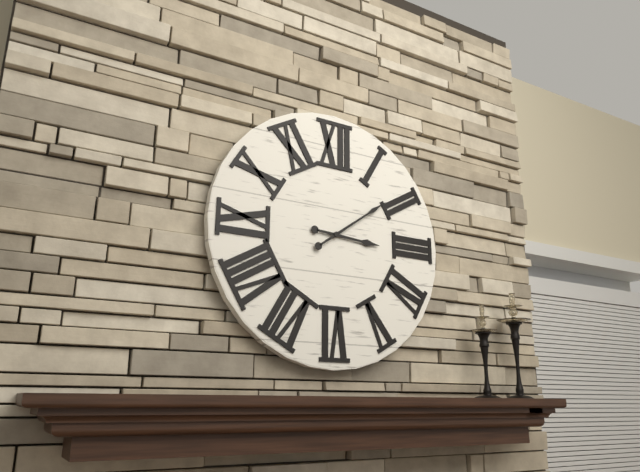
**3:09**
